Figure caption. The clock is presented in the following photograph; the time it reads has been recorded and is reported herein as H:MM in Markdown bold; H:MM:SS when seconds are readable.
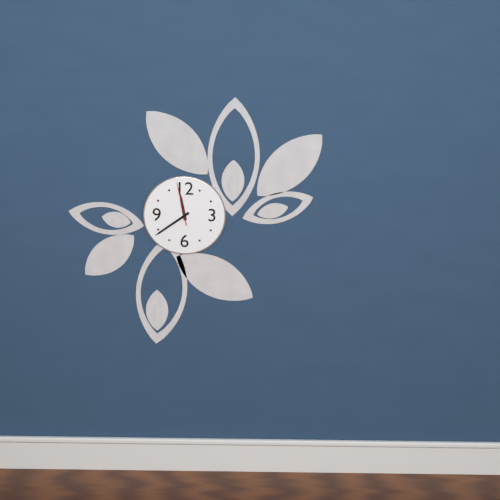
**11:39**
